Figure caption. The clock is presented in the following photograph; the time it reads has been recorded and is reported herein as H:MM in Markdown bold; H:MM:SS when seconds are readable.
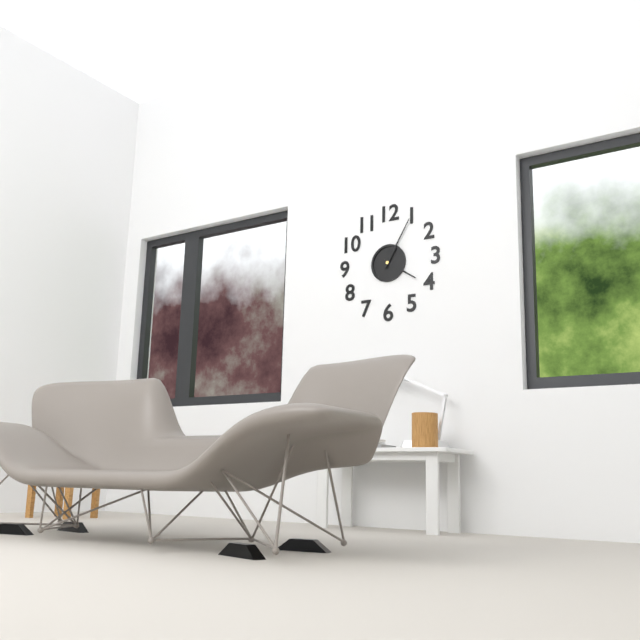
**4:05**
